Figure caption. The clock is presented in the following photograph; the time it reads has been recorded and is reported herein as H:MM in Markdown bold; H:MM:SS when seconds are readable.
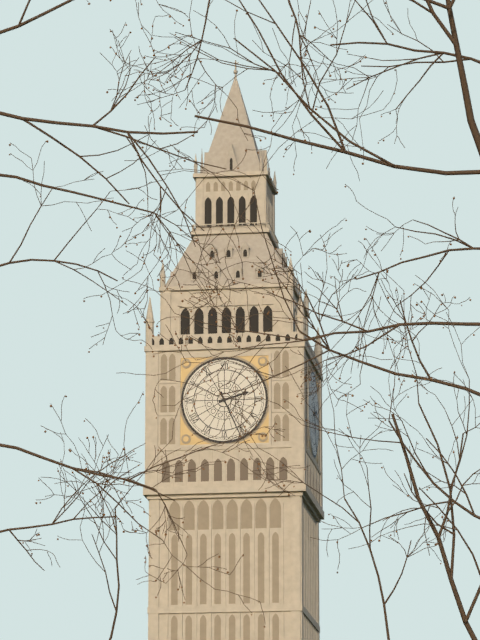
**2:26**
